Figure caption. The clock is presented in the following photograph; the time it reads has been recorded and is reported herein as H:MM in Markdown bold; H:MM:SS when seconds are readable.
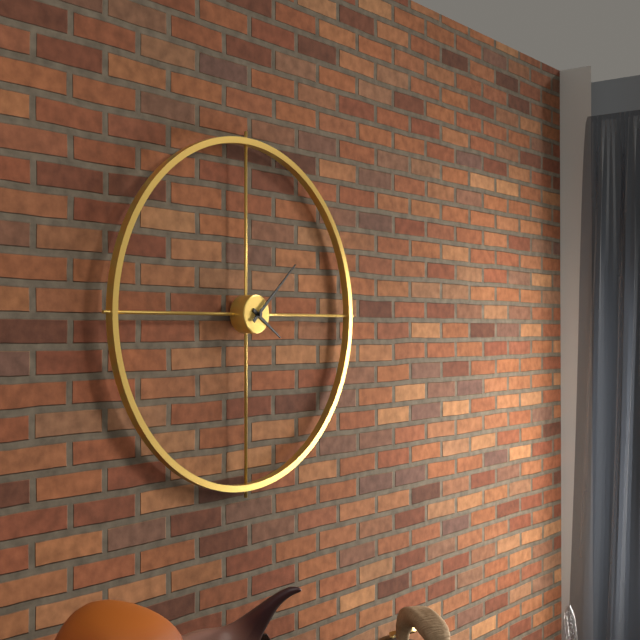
**4:08**
